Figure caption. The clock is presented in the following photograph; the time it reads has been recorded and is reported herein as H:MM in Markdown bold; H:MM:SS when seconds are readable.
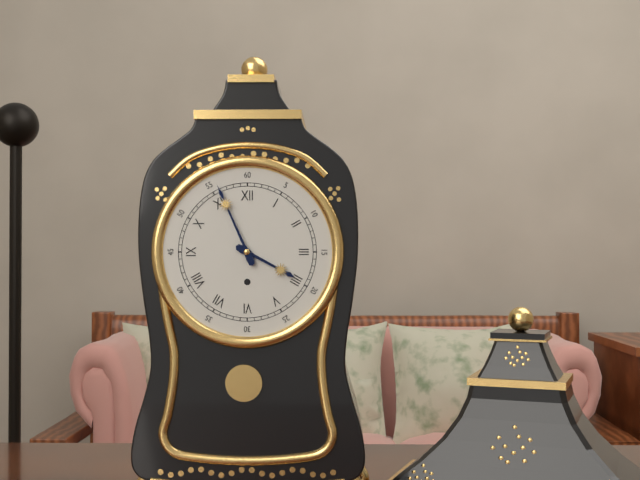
**3:56**
